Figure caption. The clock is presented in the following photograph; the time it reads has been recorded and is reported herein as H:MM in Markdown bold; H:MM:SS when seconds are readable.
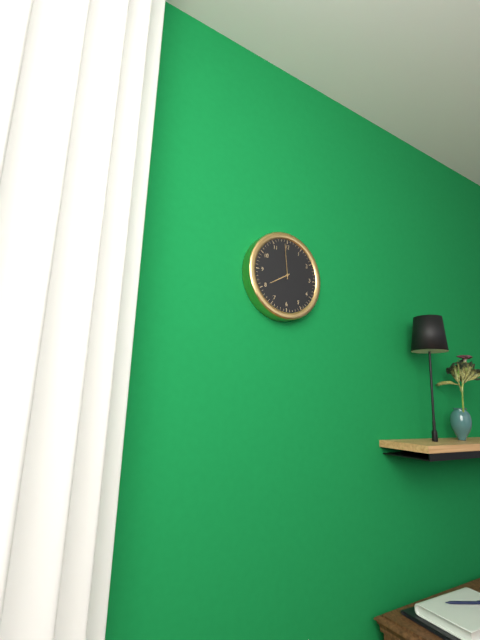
**7:59**
